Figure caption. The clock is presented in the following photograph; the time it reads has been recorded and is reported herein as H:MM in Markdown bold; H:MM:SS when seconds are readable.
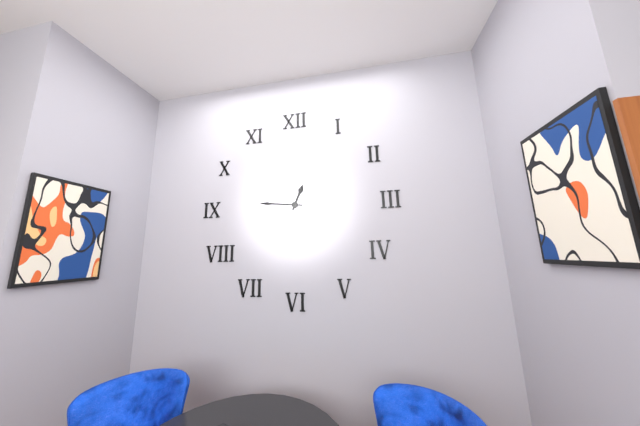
**12:46**
